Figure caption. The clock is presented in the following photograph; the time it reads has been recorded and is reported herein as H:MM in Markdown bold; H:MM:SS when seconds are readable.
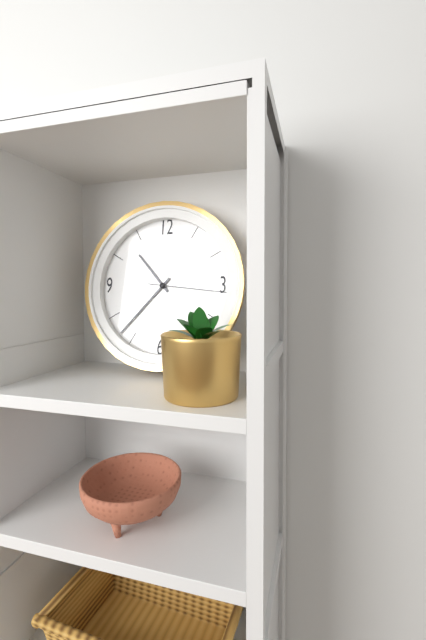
**10:37:16**
